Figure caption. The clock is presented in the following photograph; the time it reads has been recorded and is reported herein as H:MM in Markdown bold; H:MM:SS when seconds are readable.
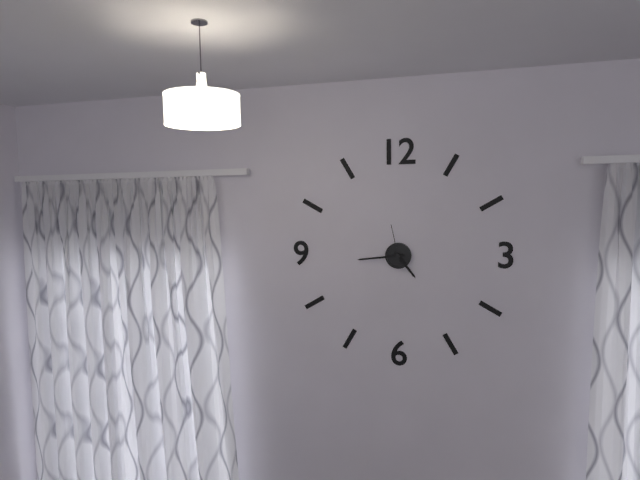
**4:44**
